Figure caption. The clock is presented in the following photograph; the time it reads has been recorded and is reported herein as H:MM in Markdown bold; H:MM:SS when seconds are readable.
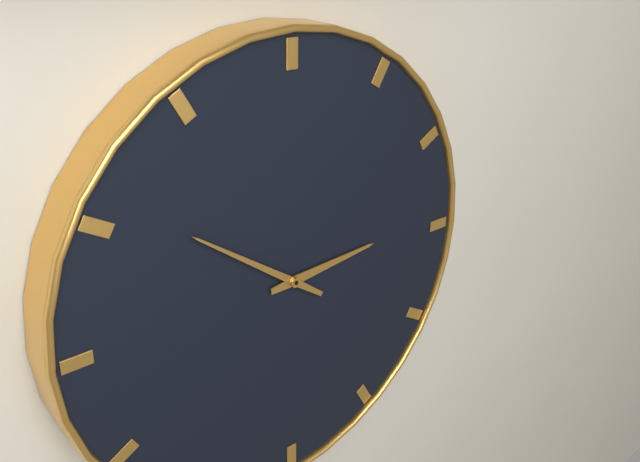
**2:51**
